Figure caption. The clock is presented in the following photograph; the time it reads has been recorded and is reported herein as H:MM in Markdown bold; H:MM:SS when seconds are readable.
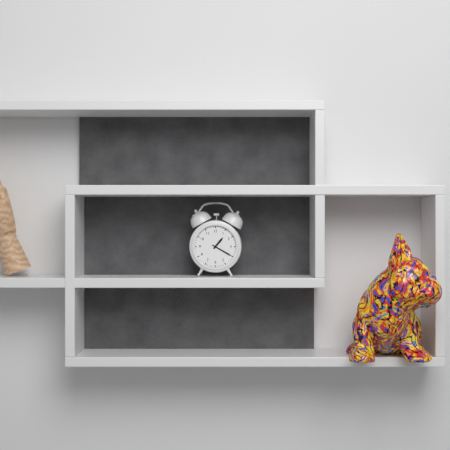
**1:20**
